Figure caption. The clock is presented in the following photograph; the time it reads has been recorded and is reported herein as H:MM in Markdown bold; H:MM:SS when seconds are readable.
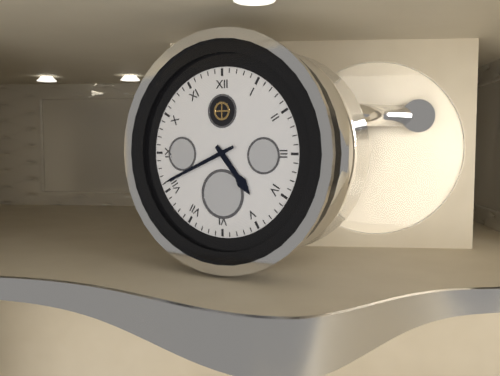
**4:41**
